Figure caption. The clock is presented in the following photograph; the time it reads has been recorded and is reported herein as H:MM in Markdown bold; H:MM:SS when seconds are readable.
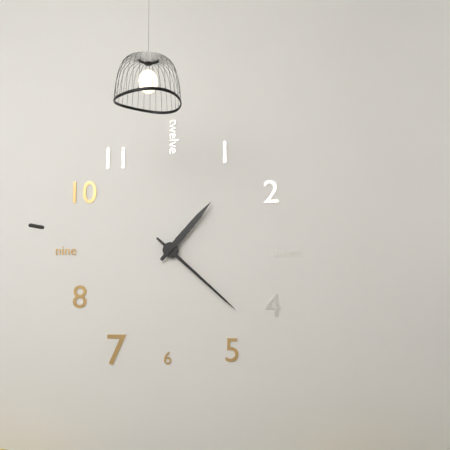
**1:22**
